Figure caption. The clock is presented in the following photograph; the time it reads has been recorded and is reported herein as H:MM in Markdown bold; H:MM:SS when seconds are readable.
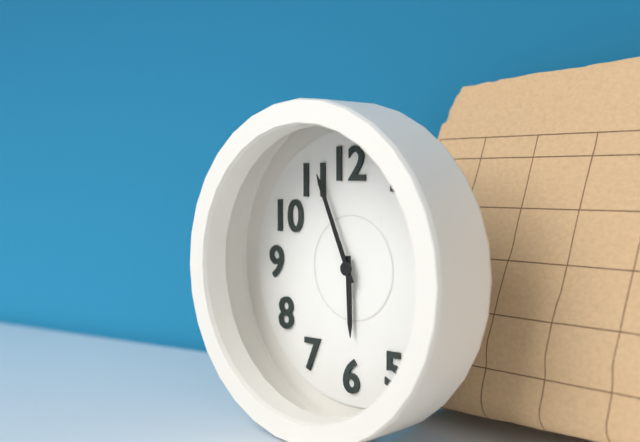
**5:56**
